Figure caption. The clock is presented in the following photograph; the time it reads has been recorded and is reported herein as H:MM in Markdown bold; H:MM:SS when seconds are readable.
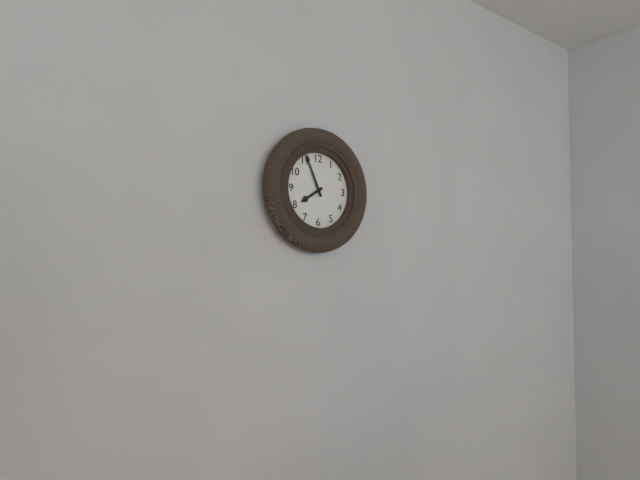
**7:56**
